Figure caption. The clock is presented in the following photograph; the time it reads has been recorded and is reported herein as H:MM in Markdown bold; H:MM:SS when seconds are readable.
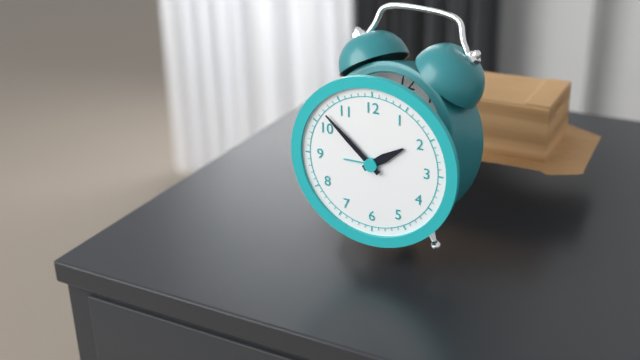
**1:52**
